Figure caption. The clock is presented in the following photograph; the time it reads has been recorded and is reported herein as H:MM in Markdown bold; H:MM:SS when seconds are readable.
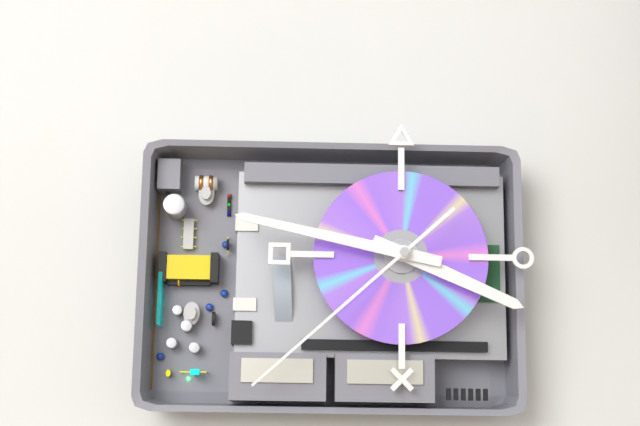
**3:47:38**
